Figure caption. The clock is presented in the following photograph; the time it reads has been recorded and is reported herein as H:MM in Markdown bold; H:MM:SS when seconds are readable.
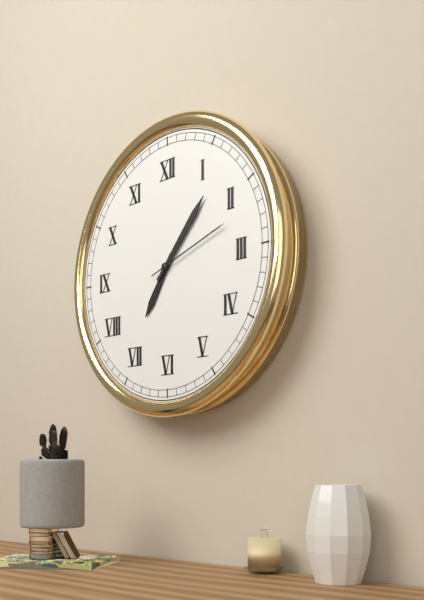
**7:07:12**
